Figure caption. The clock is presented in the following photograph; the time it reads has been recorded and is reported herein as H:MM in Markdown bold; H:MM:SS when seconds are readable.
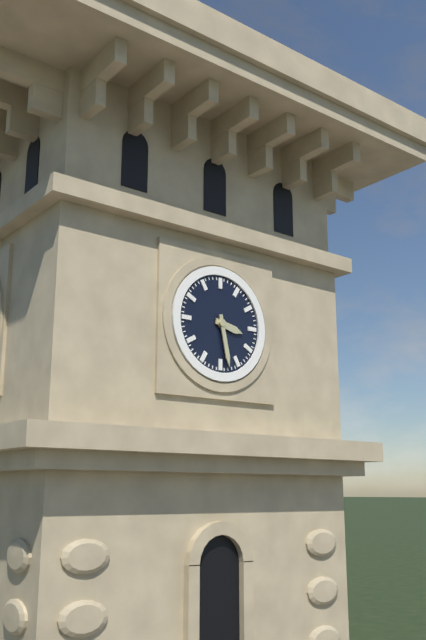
**3:28**
